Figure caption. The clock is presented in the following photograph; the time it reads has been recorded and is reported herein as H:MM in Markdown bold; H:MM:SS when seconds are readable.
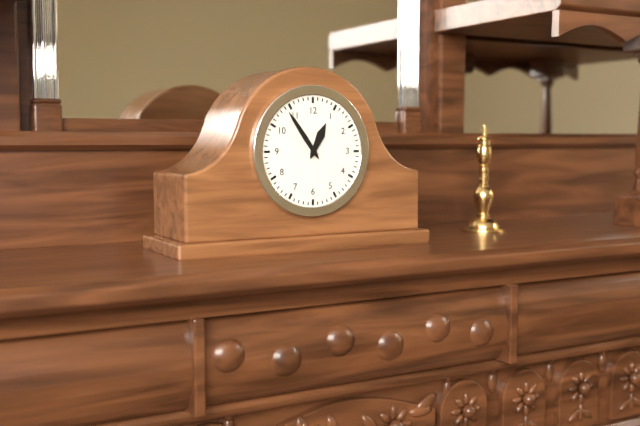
**12:54**
